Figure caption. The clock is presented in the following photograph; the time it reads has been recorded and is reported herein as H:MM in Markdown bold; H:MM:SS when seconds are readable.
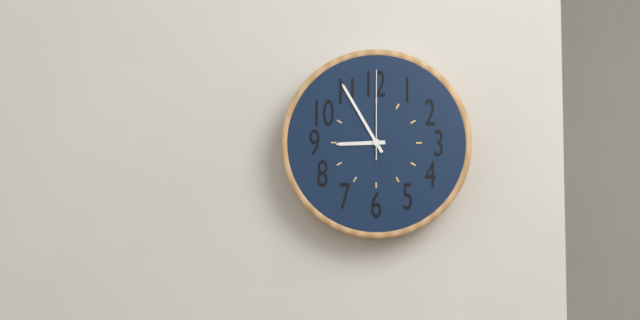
**8:55:00**
